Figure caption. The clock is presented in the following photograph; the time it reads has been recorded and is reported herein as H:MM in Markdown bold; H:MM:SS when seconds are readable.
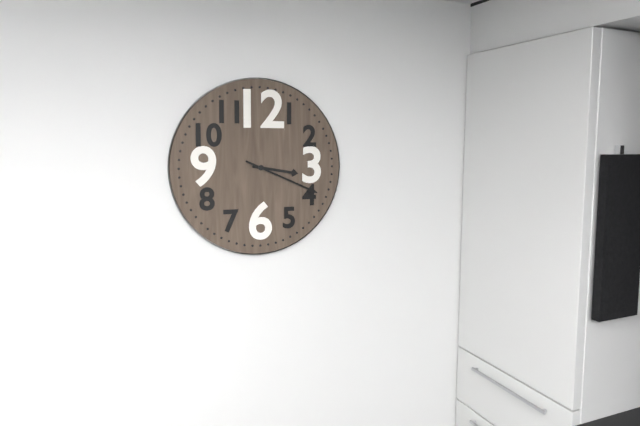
**3:19**
